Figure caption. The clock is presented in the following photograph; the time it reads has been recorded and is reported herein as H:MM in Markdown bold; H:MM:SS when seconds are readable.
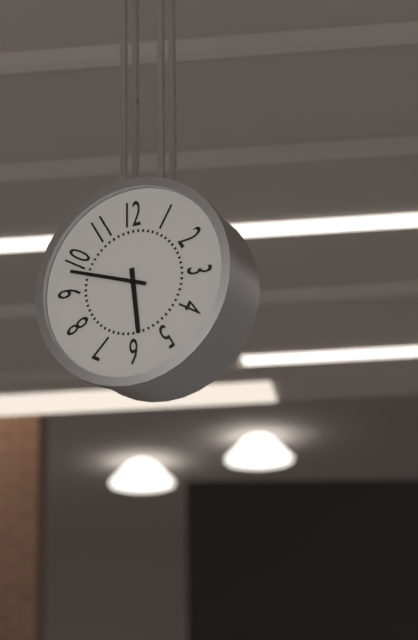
**5:48**
